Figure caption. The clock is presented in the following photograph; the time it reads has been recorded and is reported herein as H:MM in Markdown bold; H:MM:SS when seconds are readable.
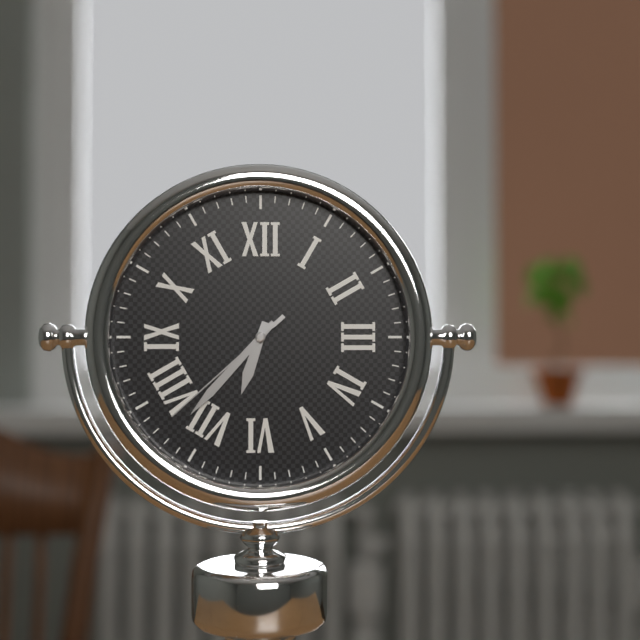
**6:37:38**
